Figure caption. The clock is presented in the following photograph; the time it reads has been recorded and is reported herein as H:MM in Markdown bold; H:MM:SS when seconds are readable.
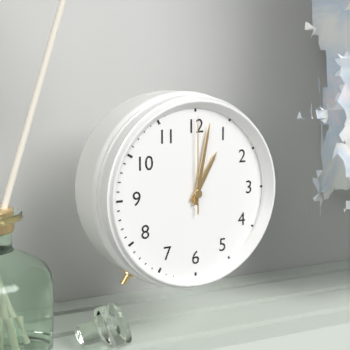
**1:02:00**
